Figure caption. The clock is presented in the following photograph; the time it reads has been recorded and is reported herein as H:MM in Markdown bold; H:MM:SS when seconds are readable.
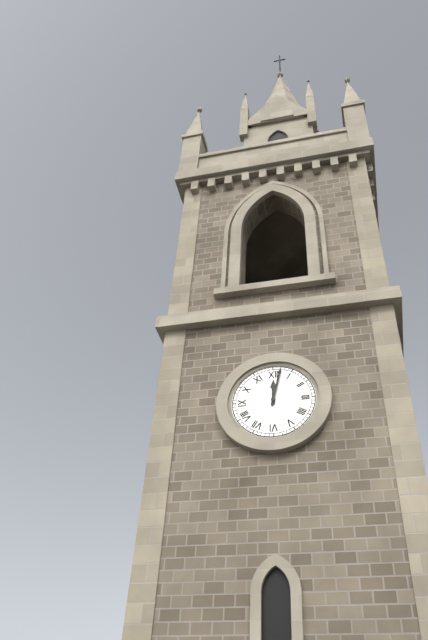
**12:02**
